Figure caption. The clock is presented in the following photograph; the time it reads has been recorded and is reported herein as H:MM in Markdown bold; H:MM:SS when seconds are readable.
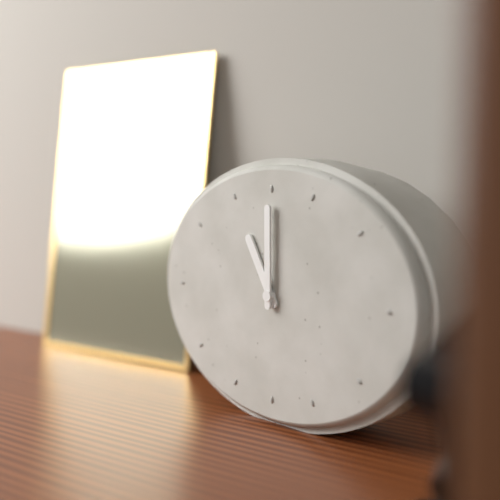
**11:00**
